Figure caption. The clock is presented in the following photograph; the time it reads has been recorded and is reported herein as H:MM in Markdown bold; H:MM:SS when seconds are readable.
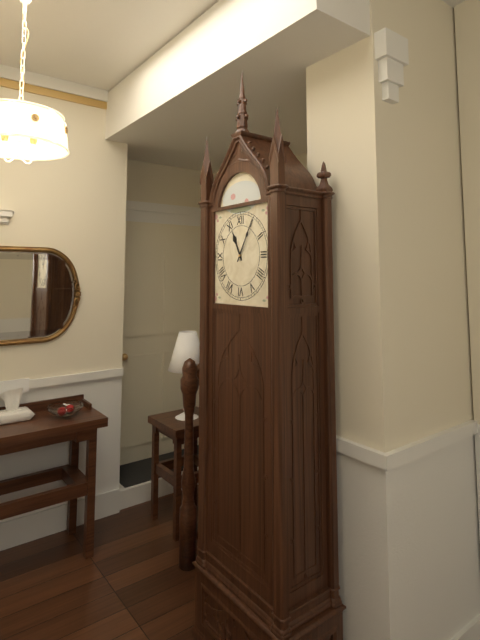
**11:05**
